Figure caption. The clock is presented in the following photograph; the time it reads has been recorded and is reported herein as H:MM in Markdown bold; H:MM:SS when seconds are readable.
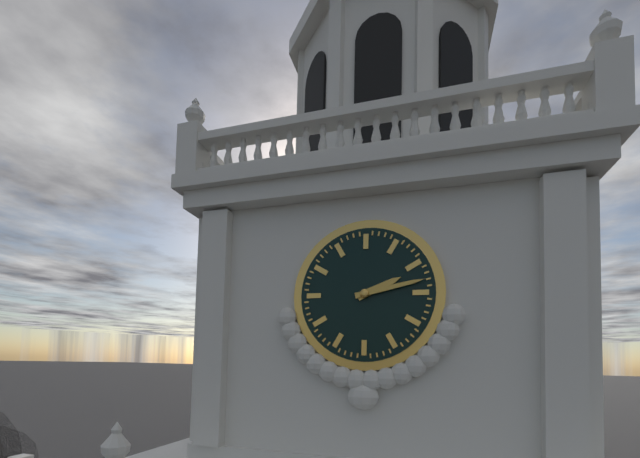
**2:13**
